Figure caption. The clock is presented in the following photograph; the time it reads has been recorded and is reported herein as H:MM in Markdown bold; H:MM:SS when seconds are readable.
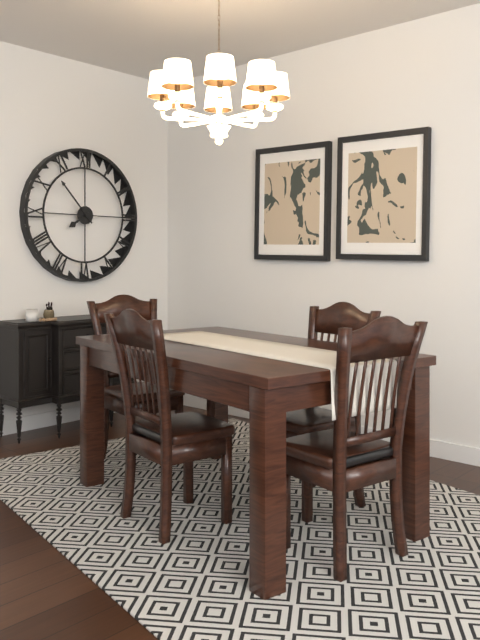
**7:53**
